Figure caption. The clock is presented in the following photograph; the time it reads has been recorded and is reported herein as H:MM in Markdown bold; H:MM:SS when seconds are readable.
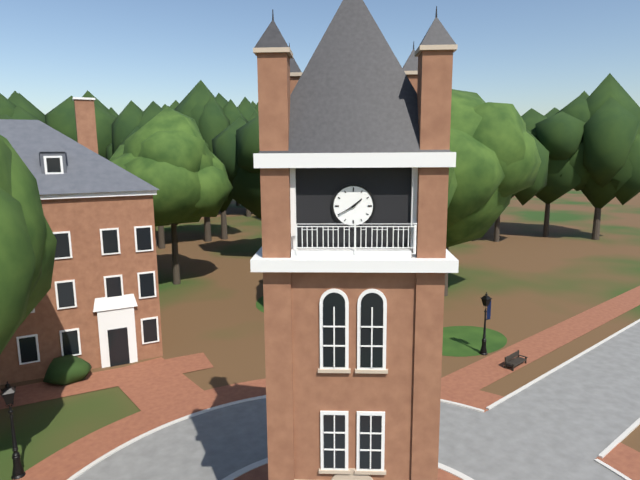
**1:40**
